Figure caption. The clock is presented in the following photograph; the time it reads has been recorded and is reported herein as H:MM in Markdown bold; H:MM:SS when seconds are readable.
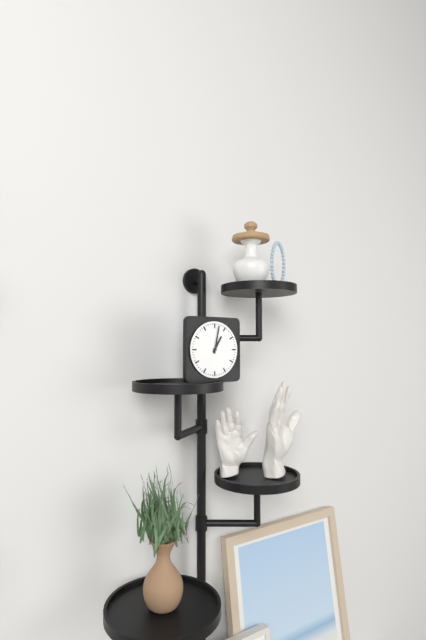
**1:02**
